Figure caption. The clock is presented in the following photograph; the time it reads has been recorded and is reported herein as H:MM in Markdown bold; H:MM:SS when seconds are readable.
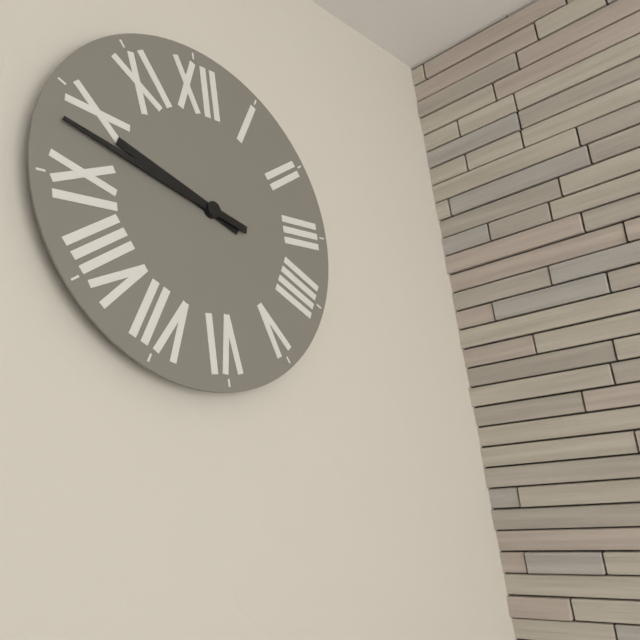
**9:48**
